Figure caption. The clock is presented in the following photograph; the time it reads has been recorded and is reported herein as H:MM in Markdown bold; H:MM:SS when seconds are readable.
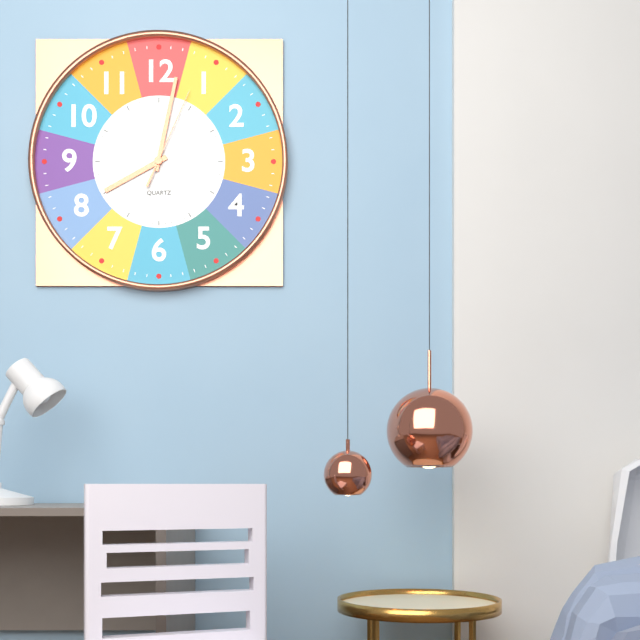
**8:02:04**
